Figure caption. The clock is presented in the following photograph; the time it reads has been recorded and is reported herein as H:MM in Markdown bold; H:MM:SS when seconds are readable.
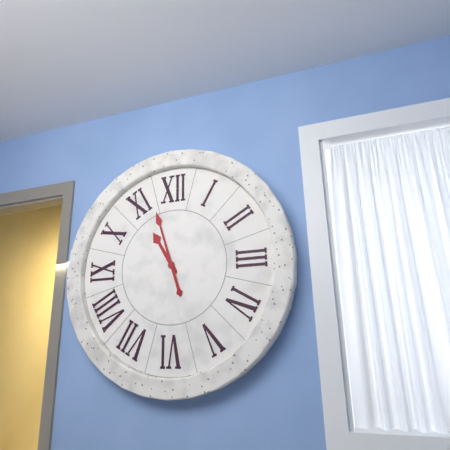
**10:57**
